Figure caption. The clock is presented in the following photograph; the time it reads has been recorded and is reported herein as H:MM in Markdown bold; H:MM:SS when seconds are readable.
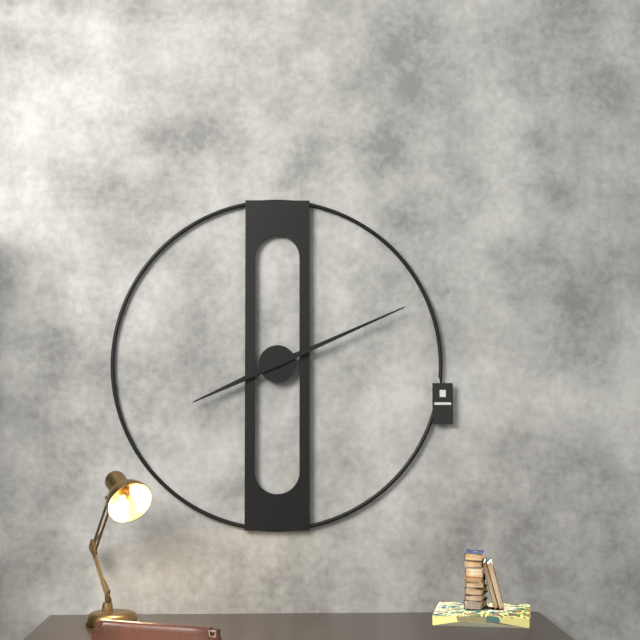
**8:11**
